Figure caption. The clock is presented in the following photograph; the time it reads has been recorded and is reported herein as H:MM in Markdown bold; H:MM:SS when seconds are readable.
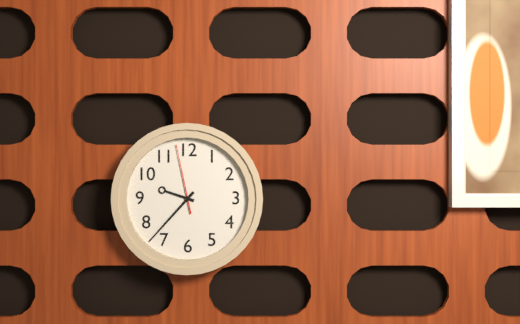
**9:37:58**
